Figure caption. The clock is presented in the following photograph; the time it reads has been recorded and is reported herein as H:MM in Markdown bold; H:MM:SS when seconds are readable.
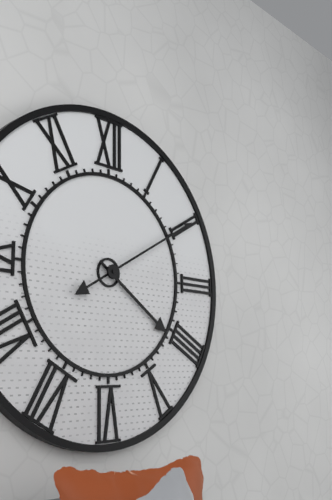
**4:10**
